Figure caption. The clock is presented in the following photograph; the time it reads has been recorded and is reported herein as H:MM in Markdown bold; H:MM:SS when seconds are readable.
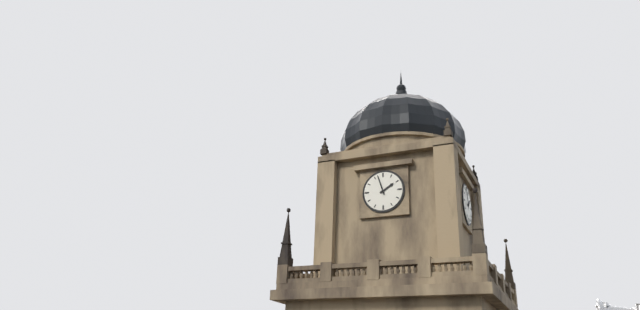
**1:57**
